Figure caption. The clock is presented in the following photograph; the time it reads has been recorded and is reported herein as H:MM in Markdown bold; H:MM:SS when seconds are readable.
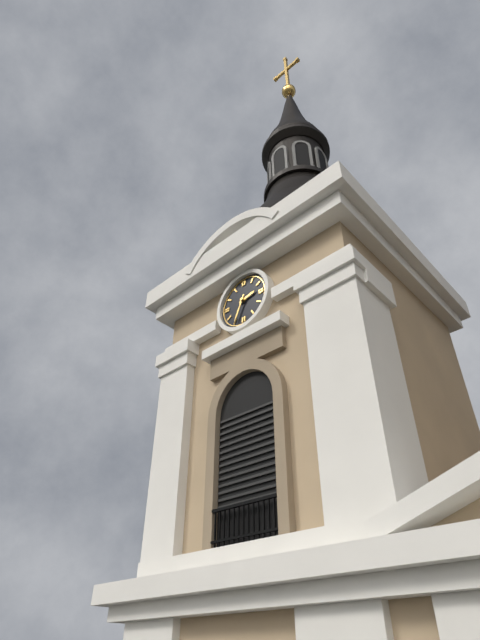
**2:34**
